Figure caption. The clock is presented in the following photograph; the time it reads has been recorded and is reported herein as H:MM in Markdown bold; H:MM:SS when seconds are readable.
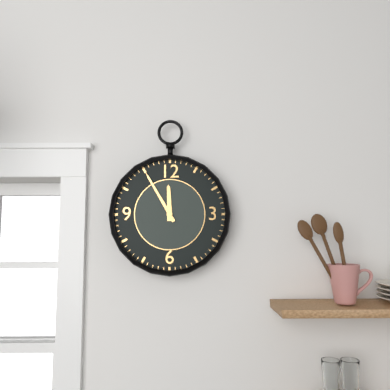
**11:55**
